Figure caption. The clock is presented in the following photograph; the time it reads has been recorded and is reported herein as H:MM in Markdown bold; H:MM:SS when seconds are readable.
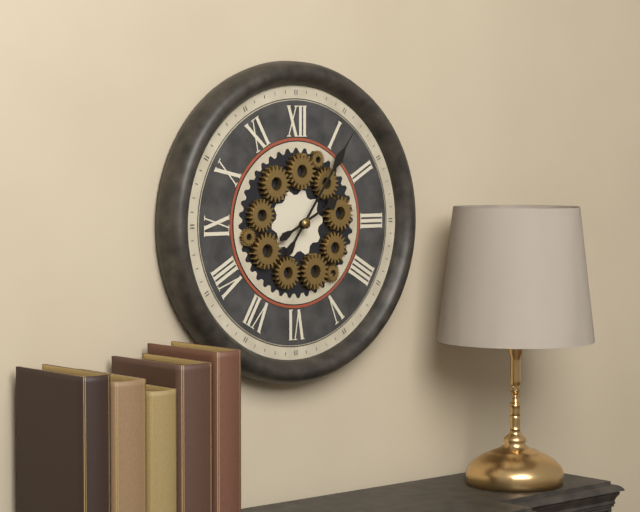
**2:06**
